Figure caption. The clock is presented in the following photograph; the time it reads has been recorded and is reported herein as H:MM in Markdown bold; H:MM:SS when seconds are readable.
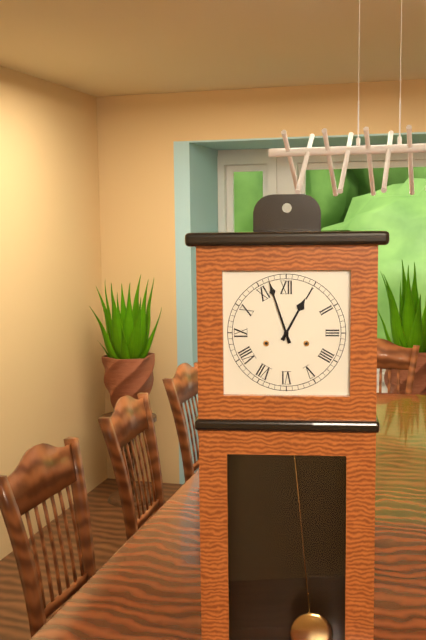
**12:57**
